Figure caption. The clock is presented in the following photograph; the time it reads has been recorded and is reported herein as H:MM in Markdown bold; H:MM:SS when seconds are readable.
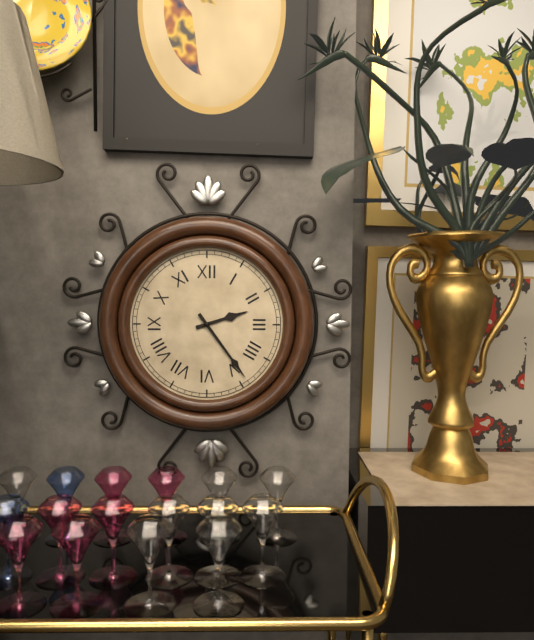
**2:24**
